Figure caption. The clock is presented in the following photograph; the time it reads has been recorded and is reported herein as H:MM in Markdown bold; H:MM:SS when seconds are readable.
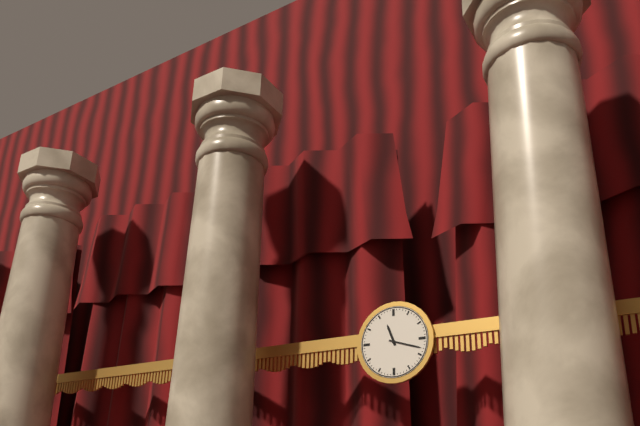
**11:18**
